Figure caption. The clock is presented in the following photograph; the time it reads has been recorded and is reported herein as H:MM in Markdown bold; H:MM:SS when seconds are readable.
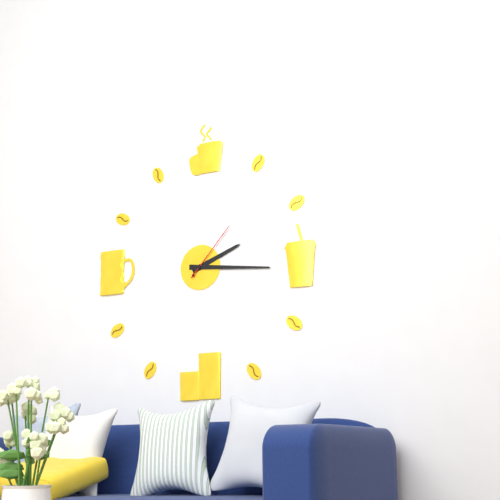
**2:16:07**
